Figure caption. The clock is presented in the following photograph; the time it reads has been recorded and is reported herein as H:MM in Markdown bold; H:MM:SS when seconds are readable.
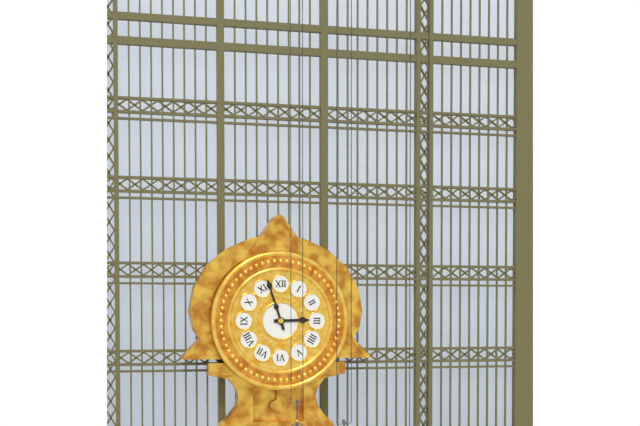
**2:57**
